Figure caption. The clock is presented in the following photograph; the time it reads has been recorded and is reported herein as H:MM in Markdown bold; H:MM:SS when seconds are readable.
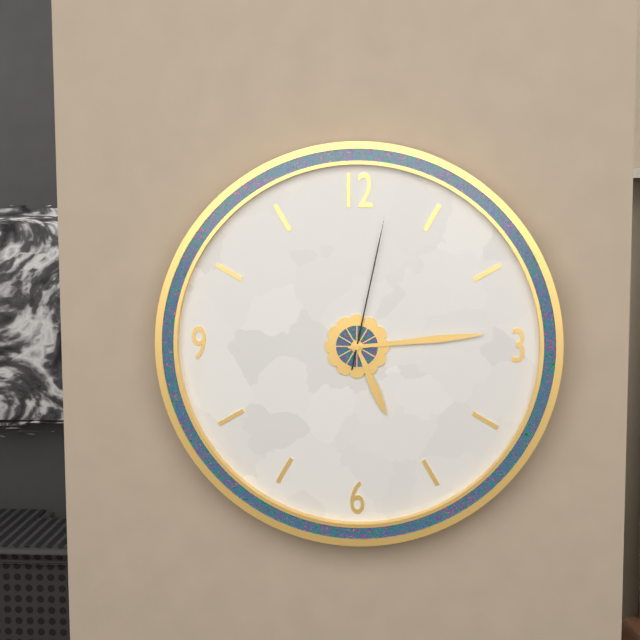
**5:14:02**
